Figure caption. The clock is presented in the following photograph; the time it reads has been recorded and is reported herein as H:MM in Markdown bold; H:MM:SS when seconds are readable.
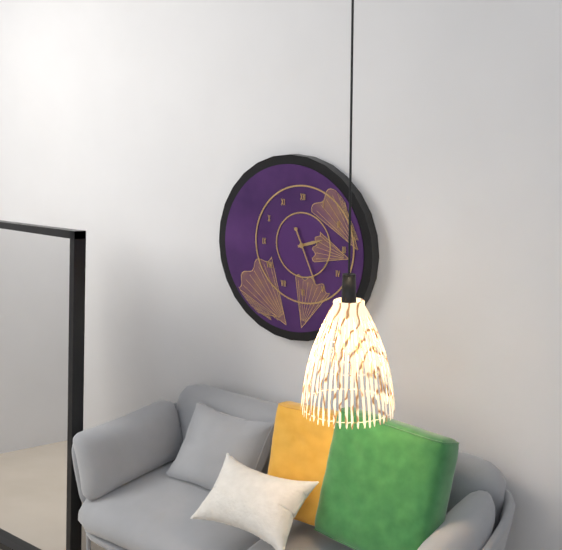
**2:26**
